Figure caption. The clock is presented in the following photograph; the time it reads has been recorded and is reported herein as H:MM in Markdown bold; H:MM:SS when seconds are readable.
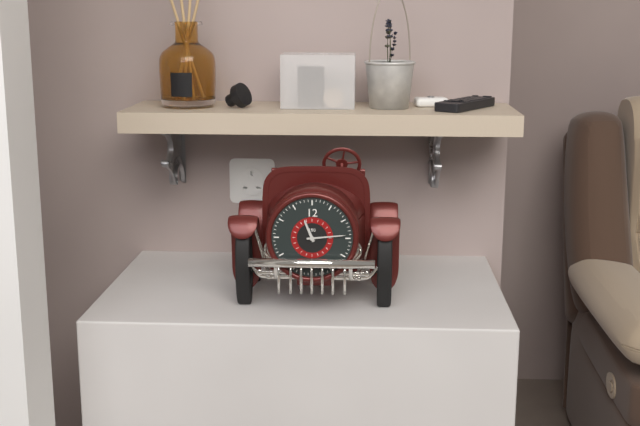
**11:14**
